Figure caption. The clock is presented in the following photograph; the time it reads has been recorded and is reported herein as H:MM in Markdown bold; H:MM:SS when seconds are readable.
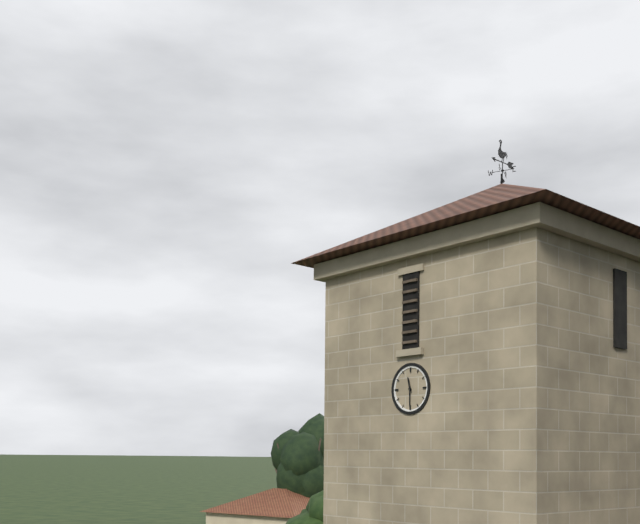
**11:30**
